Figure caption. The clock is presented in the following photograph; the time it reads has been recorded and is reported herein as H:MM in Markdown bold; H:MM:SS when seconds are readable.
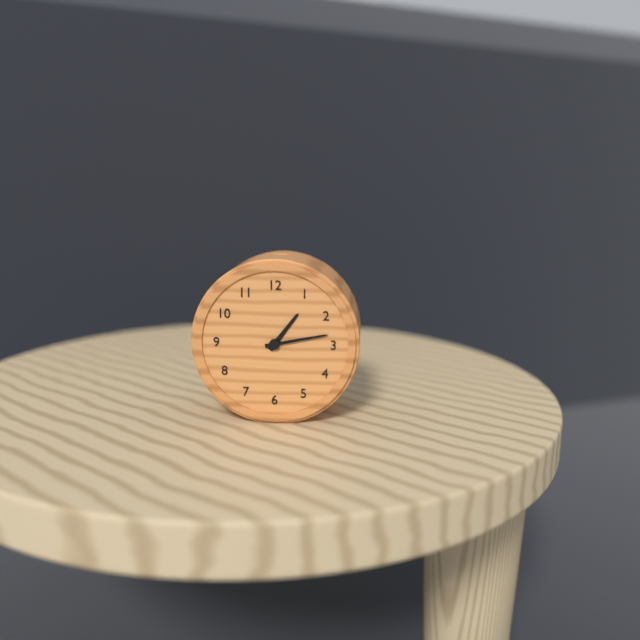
**1:13**
